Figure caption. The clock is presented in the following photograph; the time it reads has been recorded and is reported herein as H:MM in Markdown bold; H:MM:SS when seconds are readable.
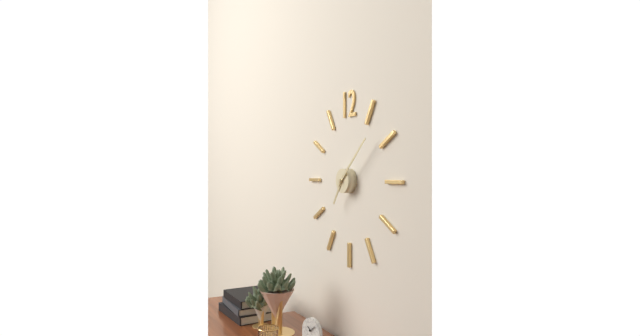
**7:08**
